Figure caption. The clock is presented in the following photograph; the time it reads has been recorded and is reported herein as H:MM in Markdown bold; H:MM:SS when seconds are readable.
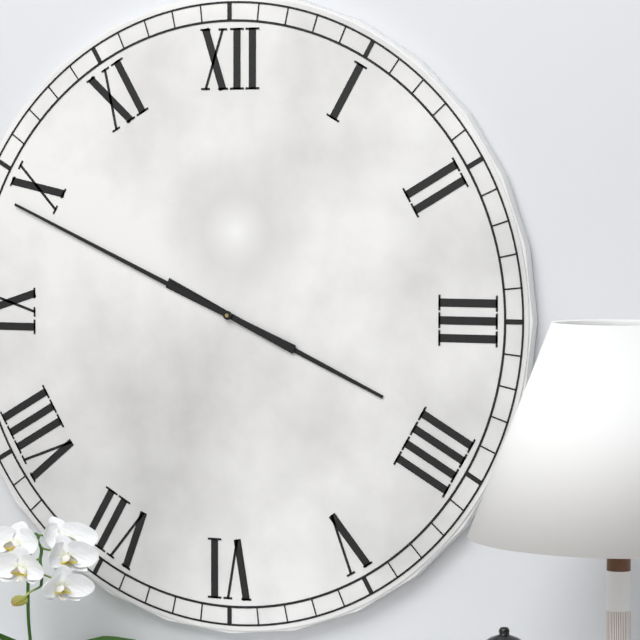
**3:49**
